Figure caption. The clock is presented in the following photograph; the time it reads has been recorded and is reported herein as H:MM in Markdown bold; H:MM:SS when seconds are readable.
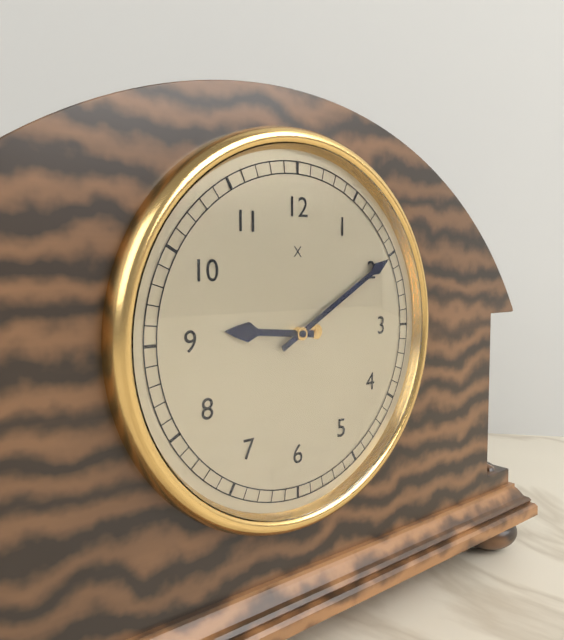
**9:10**
